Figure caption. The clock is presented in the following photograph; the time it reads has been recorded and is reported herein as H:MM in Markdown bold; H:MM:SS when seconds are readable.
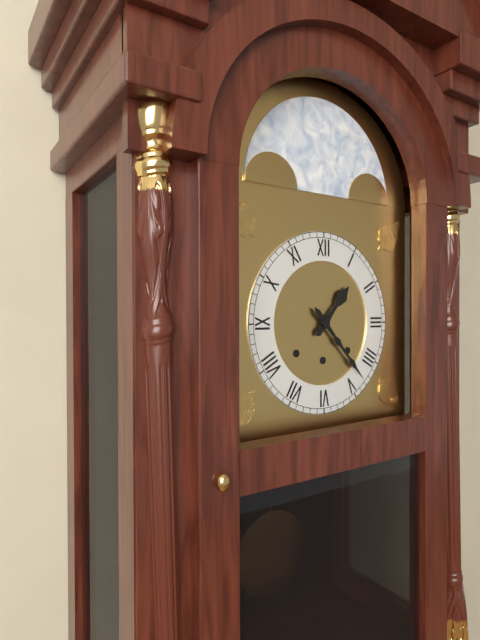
**1:23**
